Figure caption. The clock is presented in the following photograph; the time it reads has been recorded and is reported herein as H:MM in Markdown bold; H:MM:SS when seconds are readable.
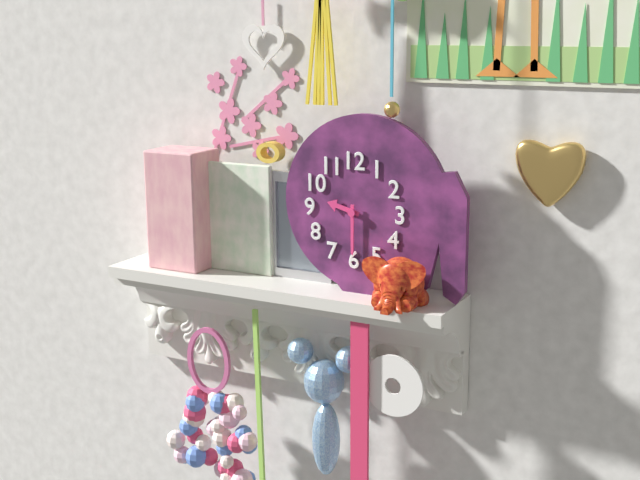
**9:30**
